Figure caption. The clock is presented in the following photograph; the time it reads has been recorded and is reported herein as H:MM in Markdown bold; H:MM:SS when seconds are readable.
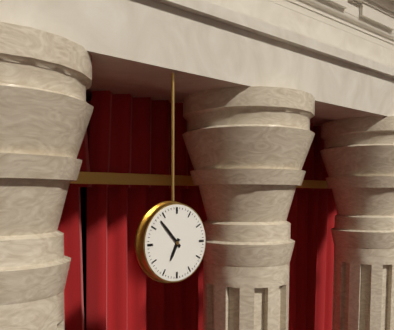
**6:53**
